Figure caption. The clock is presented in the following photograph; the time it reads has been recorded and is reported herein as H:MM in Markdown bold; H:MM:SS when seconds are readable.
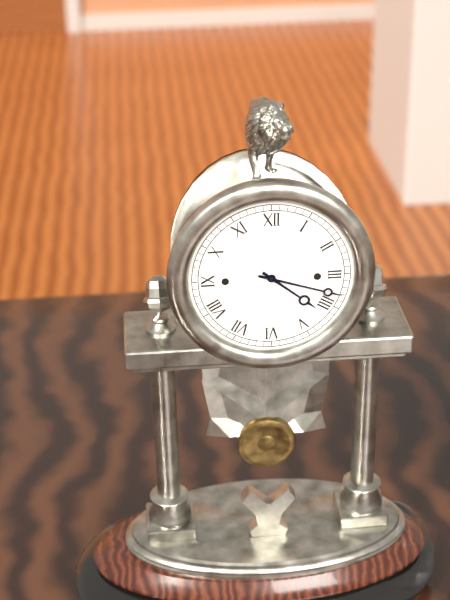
**4:18**
